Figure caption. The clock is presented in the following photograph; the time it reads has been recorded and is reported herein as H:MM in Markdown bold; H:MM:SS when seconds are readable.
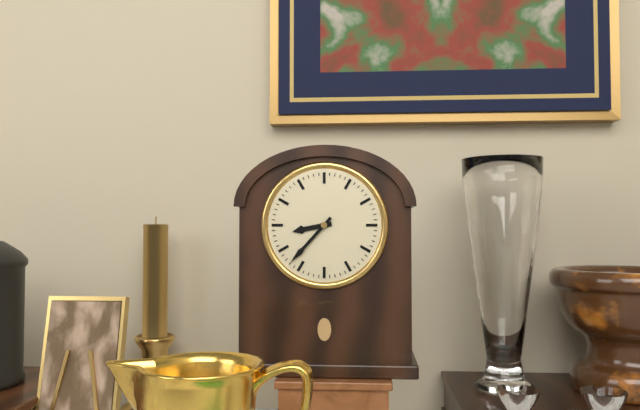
**8:37**
